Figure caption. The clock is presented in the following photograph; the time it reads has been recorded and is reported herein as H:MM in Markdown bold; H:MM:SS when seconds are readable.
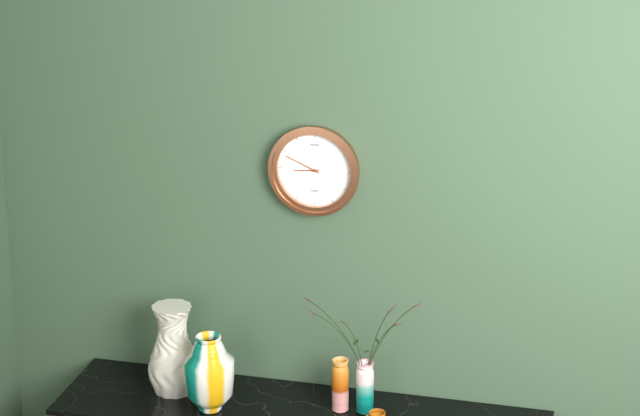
**8:49**
